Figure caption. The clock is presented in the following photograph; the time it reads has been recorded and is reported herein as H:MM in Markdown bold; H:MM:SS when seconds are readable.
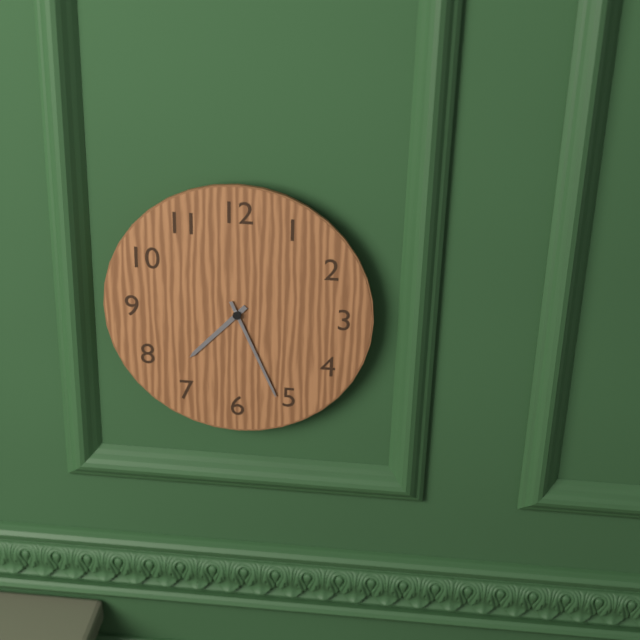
**7:26**
